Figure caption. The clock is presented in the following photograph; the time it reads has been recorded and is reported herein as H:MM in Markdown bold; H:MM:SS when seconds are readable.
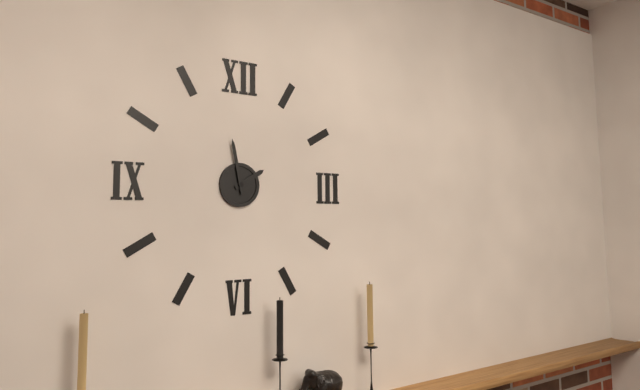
**1:58**
